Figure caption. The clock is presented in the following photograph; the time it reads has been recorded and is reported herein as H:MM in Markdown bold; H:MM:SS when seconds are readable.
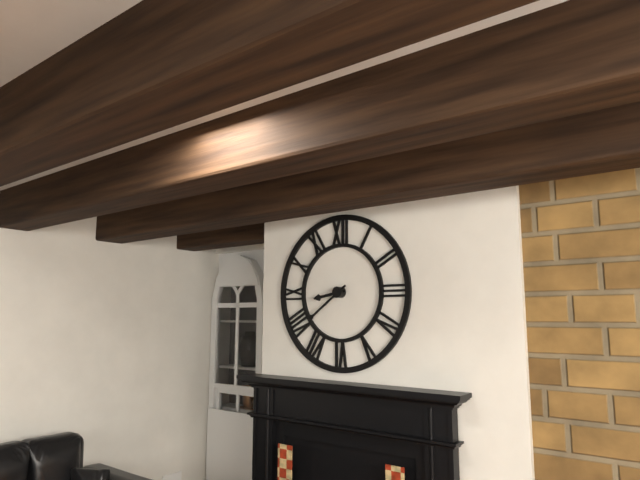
**8:39**
